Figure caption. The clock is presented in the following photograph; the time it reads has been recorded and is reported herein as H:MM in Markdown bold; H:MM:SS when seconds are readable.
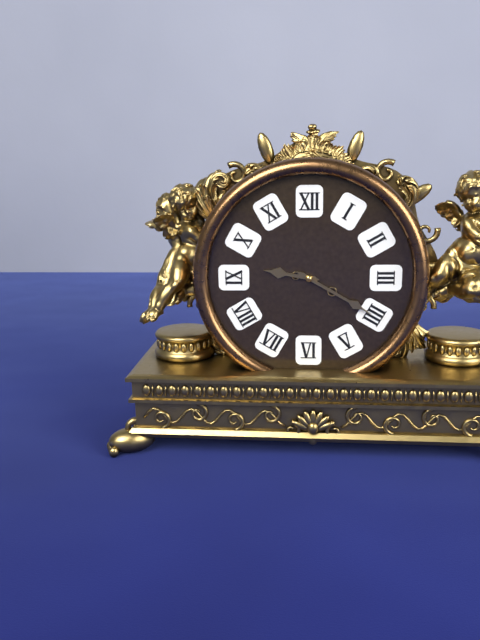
**9:20**
